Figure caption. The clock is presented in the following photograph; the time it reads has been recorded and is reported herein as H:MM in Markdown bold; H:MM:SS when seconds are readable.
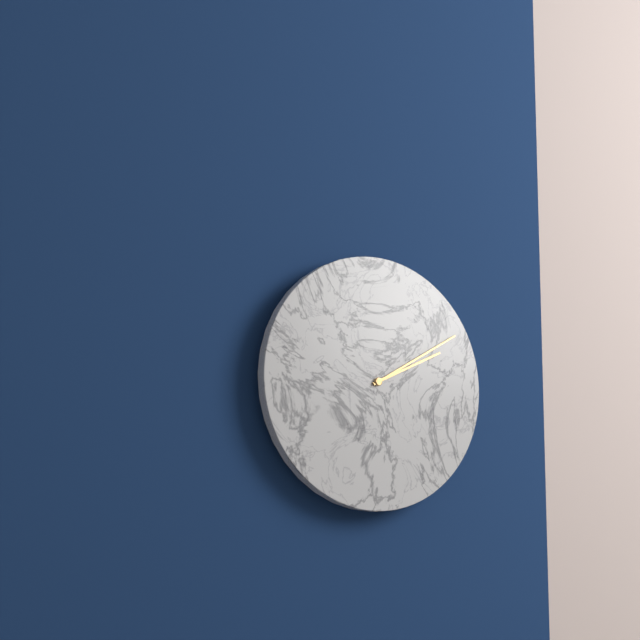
**2:10**
